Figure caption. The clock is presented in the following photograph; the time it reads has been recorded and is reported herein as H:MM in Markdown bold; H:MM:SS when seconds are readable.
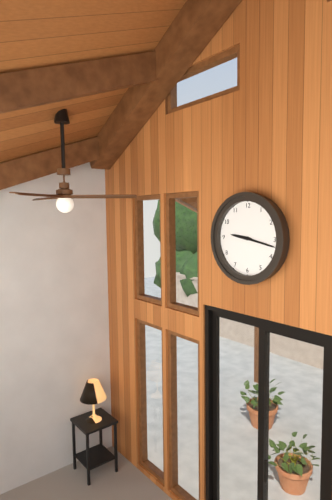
**9:17**
